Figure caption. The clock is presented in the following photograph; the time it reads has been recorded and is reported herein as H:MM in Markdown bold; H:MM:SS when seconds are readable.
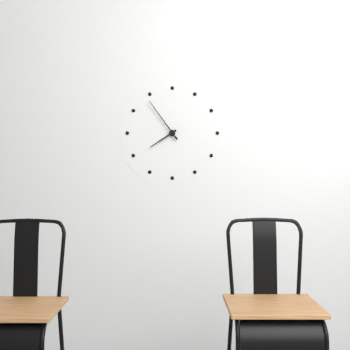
**7:54**
